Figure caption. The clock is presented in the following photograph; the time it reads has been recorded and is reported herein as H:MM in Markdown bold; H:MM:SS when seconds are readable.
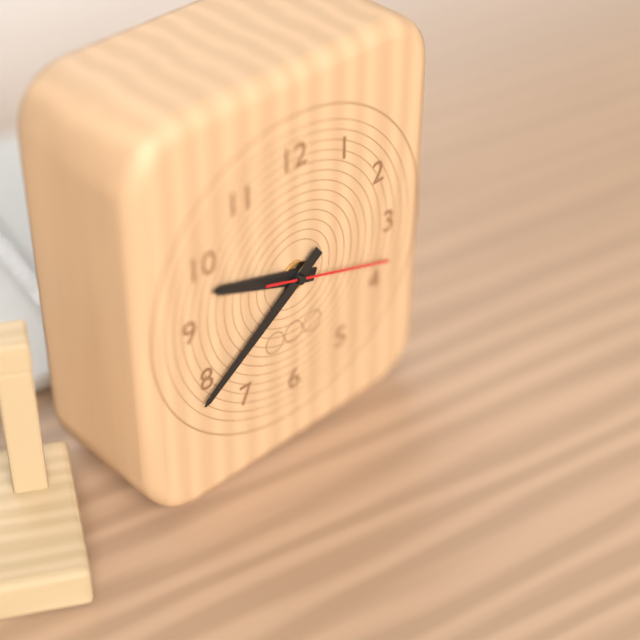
**9:39:18**
